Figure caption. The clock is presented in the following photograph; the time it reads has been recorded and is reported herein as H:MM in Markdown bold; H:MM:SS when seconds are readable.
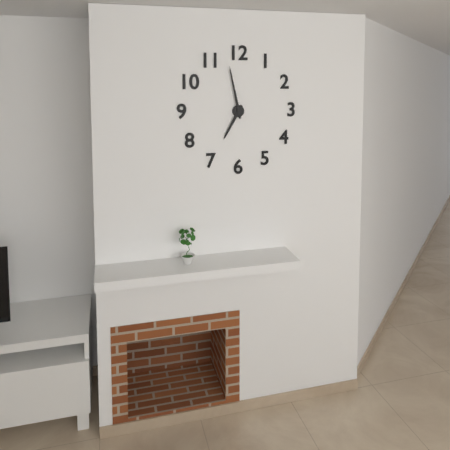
**6:58**
